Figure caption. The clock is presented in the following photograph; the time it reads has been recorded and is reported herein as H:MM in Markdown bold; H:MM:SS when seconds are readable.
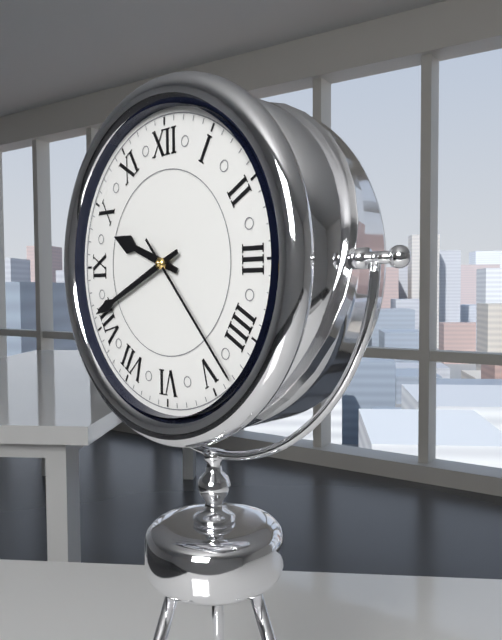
**9:41:23**
